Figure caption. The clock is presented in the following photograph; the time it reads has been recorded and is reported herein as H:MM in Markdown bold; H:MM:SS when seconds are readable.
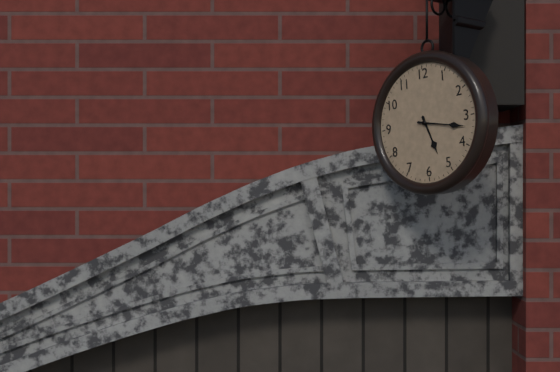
**5:17**
